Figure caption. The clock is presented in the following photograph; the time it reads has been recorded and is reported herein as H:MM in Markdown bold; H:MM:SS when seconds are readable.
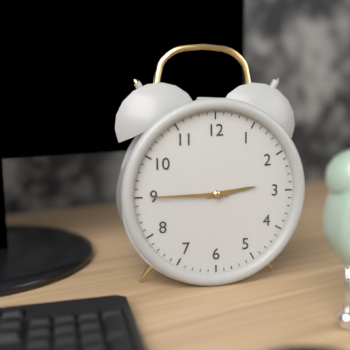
**2:45**
